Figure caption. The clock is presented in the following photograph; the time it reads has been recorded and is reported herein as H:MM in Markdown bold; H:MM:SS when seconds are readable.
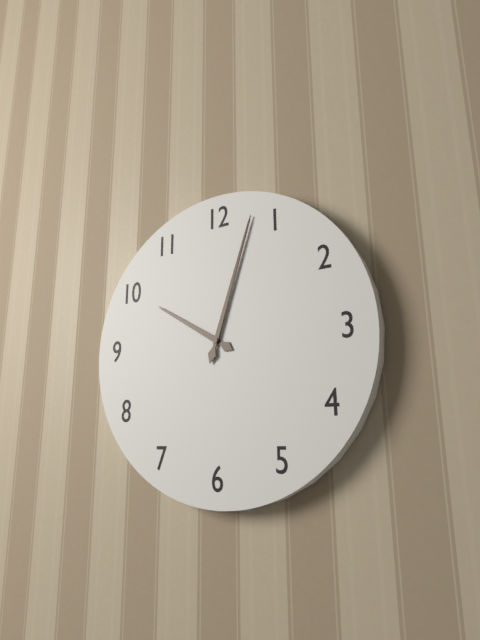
**10:03**
